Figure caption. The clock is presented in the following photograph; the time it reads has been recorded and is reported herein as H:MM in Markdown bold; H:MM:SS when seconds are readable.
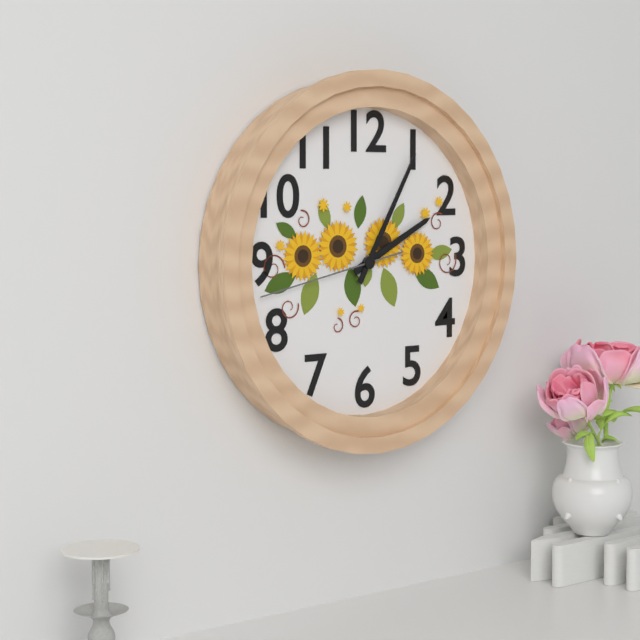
**2:05:43**
